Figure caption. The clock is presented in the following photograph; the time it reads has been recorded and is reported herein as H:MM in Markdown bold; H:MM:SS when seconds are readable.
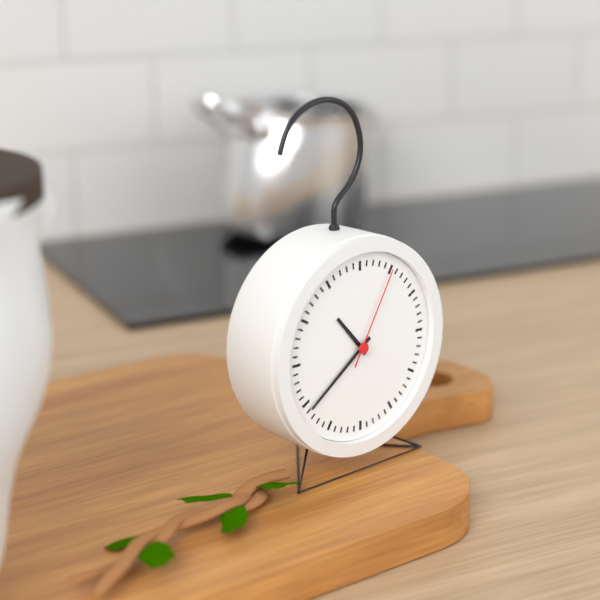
**10:39:05**
